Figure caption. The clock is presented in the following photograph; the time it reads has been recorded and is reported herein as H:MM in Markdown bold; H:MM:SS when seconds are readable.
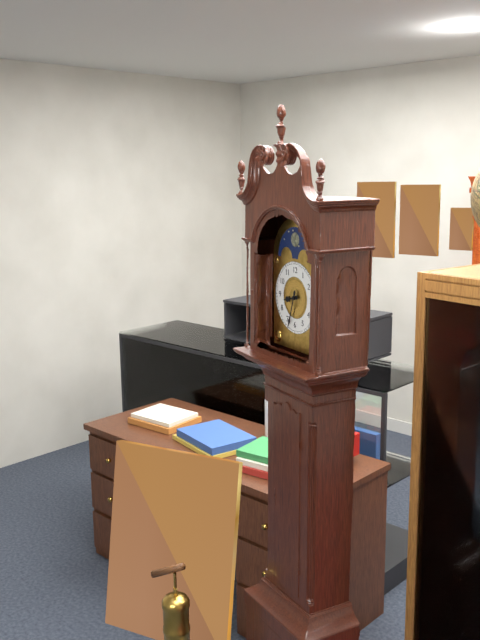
**8:33**
